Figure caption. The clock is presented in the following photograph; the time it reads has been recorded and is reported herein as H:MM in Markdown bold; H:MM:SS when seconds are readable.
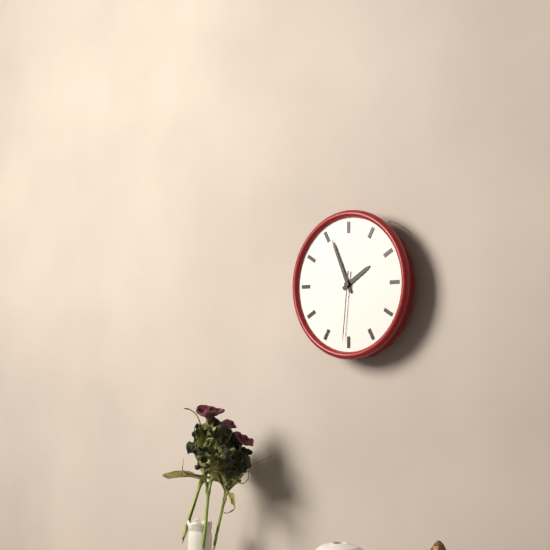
**1:56:31**
